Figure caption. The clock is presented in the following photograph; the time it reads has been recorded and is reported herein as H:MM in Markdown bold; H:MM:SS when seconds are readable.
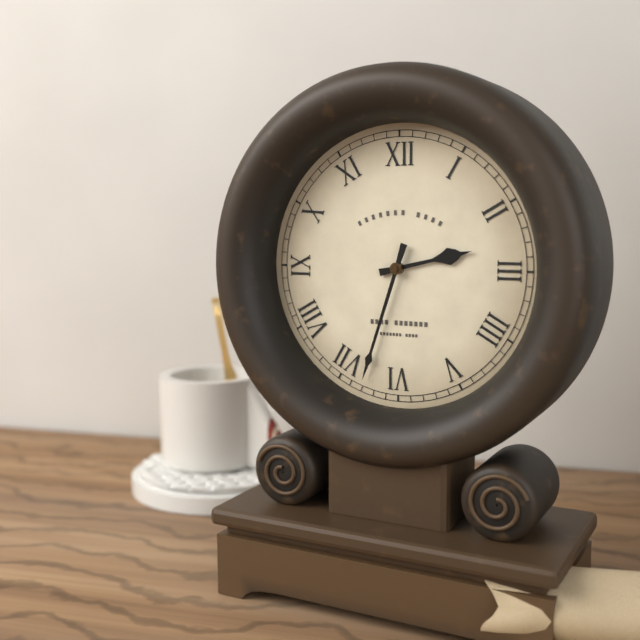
**2:33**
